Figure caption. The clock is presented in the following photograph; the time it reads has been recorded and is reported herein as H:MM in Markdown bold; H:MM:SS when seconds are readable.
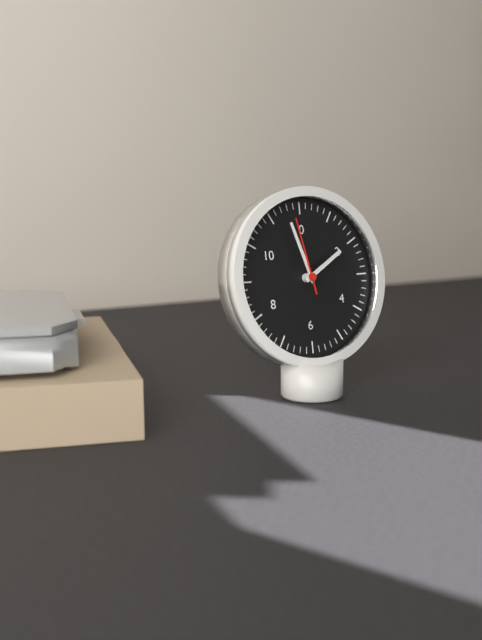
**1:57:58**
